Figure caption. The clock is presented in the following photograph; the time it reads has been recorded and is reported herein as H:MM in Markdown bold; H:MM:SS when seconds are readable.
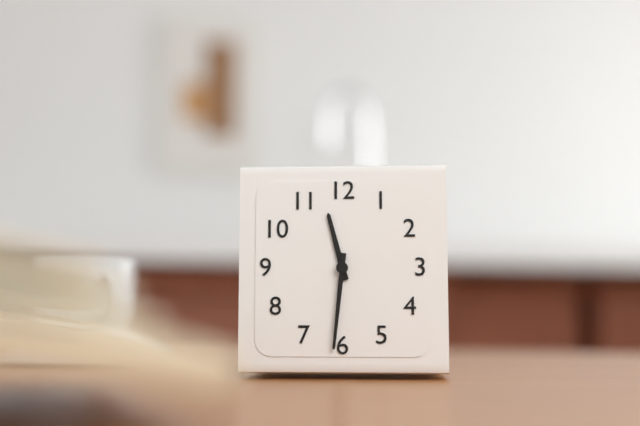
**11:31**
